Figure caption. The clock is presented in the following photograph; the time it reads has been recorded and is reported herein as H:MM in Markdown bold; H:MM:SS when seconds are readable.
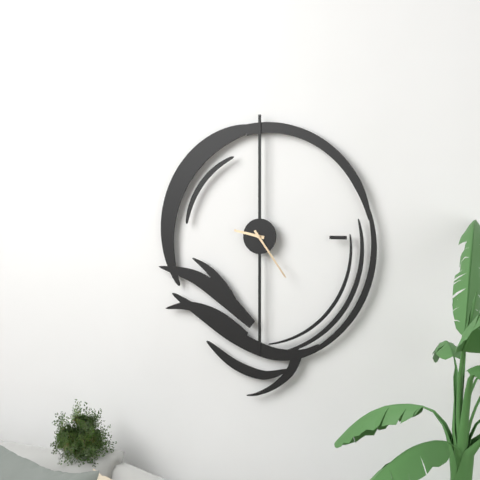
**9:24**
